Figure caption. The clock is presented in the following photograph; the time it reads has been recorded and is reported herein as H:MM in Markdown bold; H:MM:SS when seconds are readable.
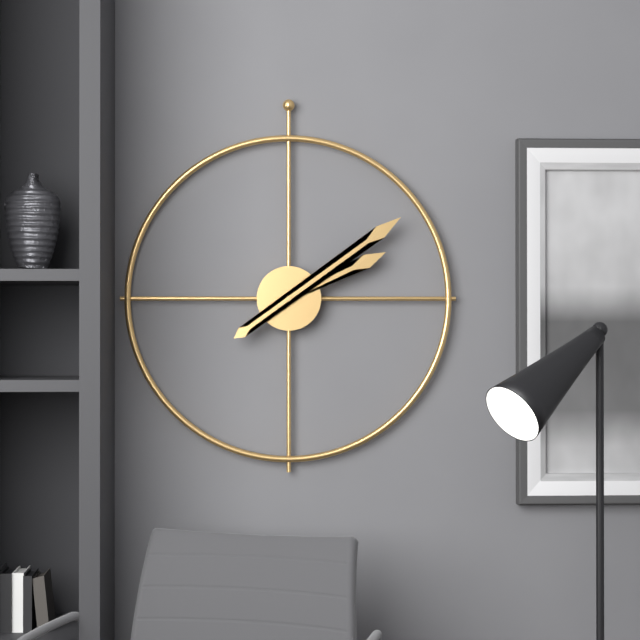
**2:09**
